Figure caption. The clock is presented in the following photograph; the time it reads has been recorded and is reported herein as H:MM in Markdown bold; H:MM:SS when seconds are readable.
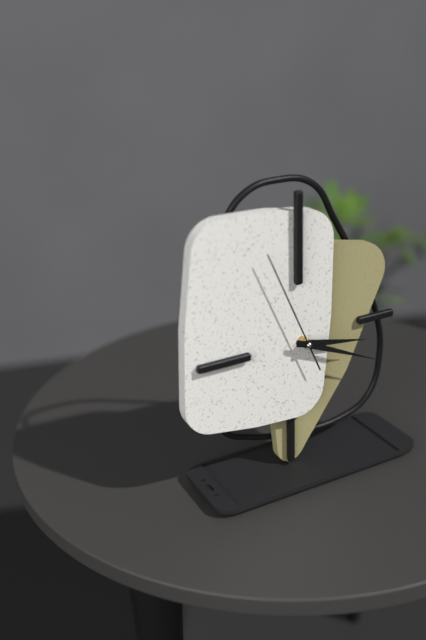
**3:19:56**
